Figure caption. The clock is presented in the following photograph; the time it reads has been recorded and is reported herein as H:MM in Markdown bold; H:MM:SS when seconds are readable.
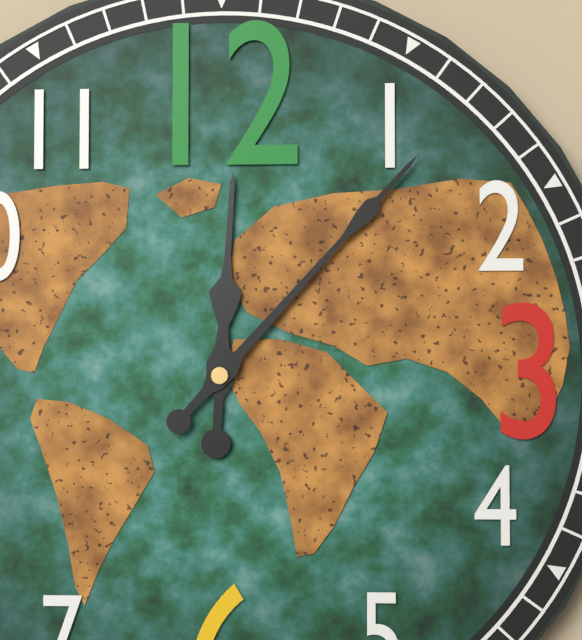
**12:07**
